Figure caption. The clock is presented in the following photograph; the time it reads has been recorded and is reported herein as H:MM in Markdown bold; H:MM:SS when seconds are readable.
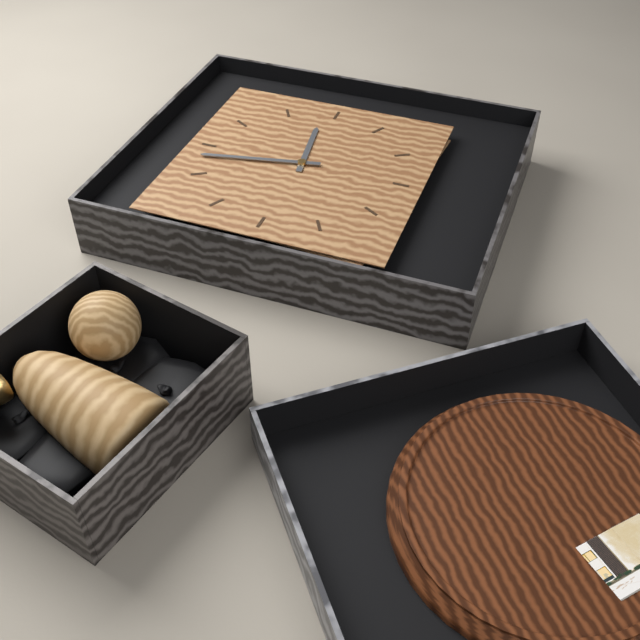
**11:43**
